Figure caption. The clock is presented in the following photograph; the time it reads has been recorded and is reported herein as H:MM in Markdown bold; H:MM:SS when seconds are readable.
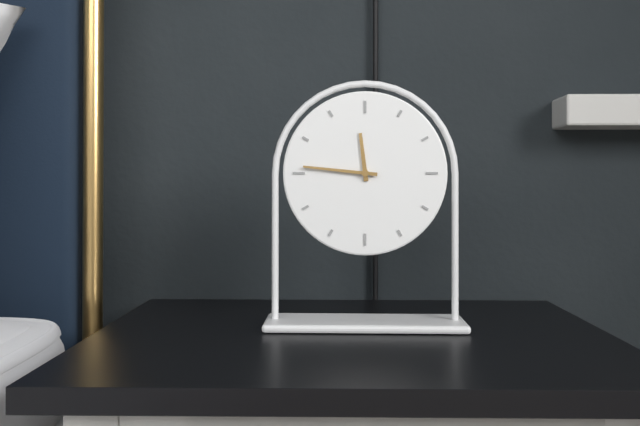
**11:46**
